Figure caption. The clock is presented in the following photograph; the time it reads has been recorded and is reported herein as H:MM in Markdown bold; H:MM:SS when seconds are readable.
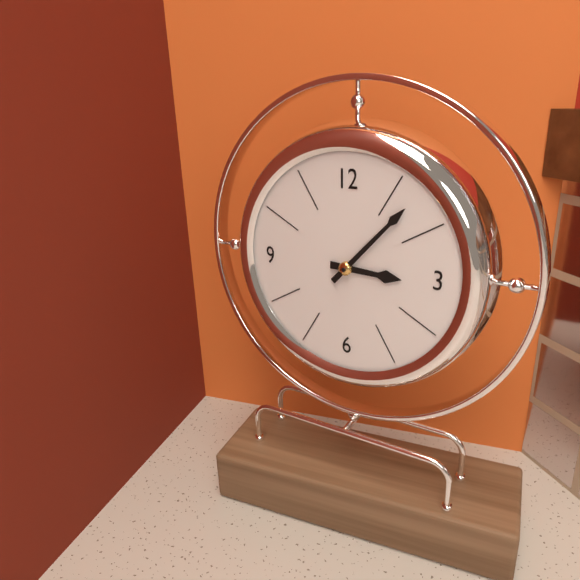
**3:07**
